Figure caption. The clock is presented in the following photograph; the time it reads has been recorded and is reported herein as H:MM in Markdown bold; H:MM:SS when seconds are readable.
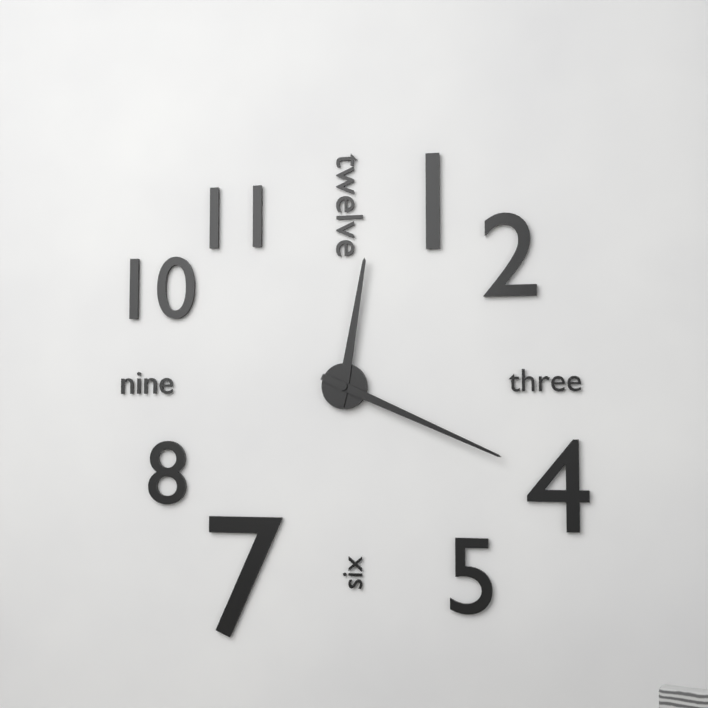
**12:19**
